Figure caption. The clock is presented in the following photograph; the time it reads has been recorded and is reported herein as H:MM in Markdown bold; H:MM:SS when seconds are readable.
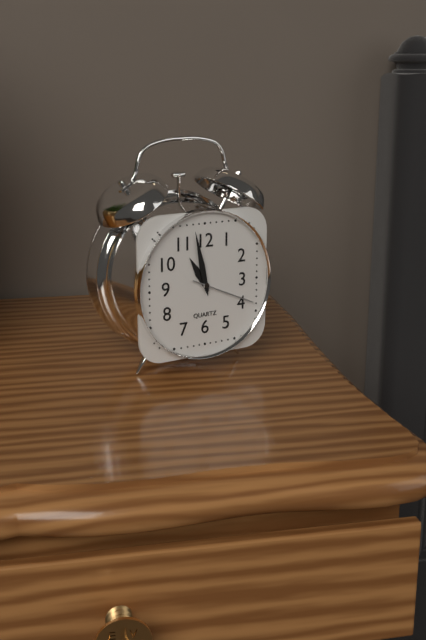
**10:58:19**
